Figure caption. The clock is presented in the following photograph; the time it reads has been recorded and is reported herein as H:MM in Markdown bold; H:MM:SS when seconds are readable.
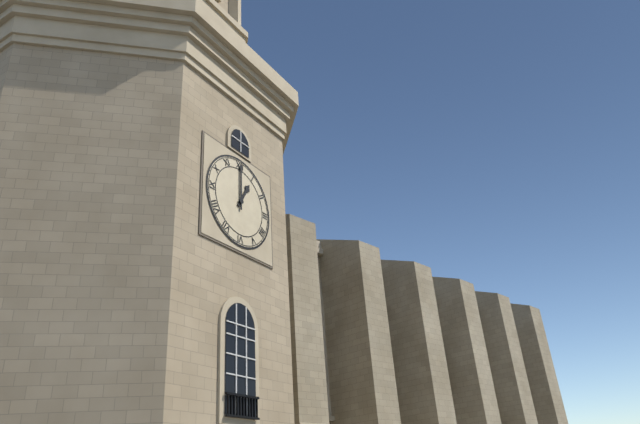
**1:00**
